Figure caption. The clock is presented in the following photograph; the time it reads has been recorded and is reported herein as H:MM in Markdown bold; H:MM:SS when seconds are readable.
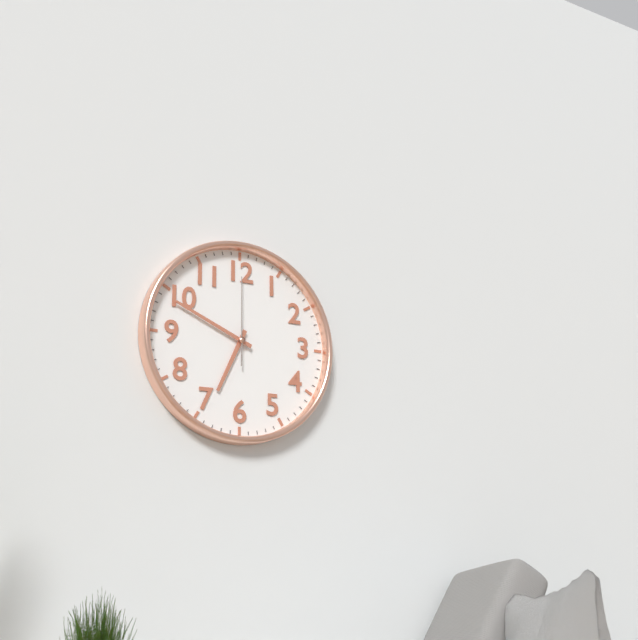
**6:49:00**
